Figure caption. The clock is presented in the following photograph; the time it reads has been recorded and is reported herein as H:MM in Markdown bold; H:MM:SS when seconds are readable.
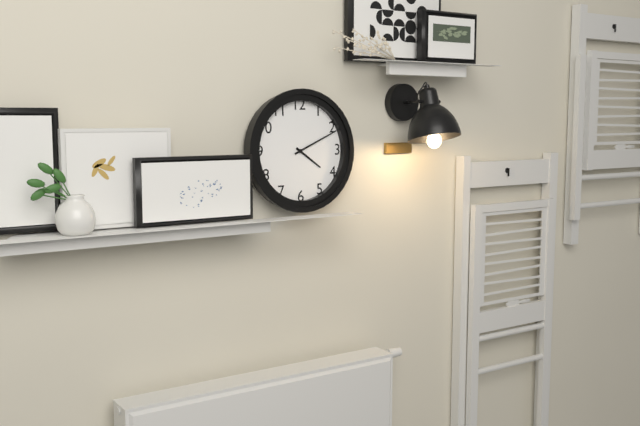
**4:11**
